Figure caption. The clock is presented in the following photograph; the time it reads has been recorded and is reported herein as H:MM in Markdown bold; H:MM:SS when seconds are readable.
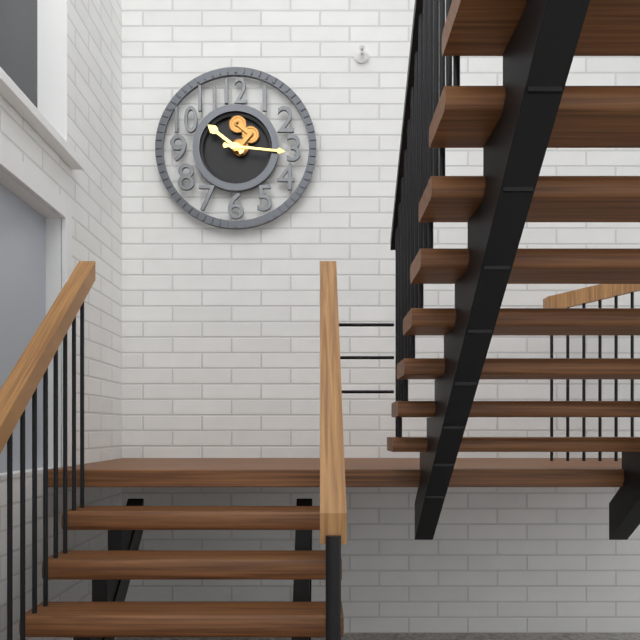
**10:16**
